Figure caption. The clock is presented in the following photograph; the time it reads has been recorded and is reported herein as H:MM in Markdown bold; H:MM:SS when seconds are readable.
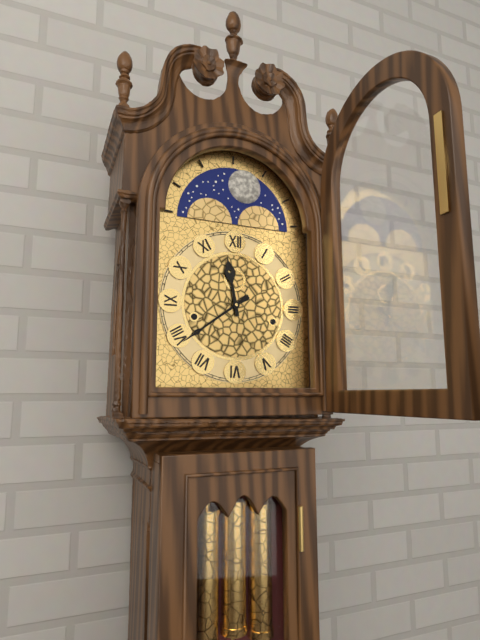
**11:39**
